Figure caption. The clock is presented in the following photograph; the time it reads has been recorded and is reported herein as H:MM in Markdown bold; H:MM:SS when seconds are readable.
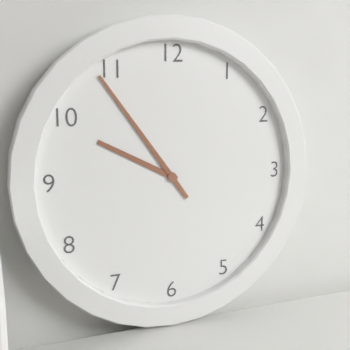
**9:54**
